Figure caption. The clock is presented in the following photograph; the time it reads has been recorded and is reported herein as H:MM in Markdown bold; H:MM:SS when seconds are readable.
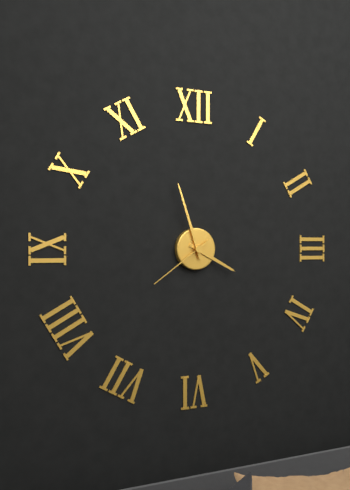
**3:57:39**
